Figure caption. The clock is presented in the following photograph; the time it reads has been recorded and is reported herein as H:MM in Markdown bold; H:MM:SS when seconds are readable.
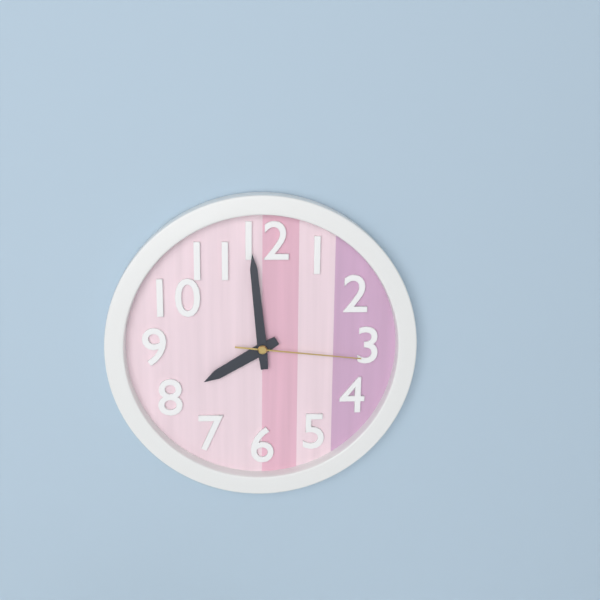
**7:59:16**
